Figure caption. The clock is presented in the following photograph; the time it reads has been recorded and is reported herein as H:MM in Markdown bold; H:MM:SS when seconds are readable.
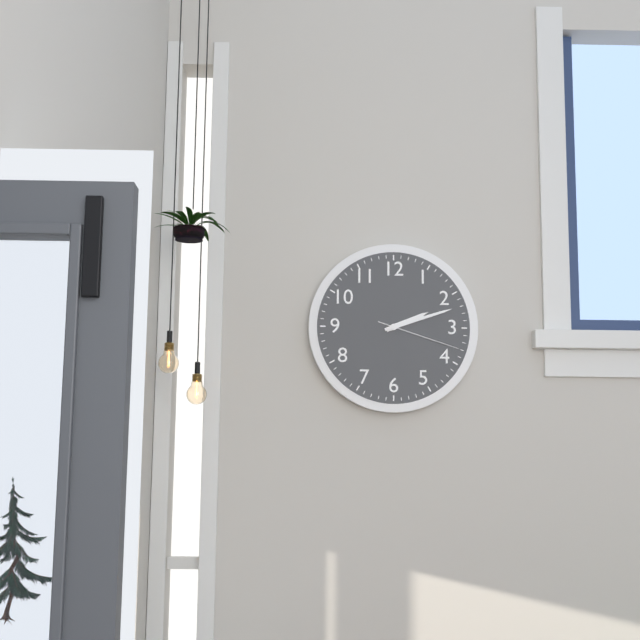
**2:12:18**
